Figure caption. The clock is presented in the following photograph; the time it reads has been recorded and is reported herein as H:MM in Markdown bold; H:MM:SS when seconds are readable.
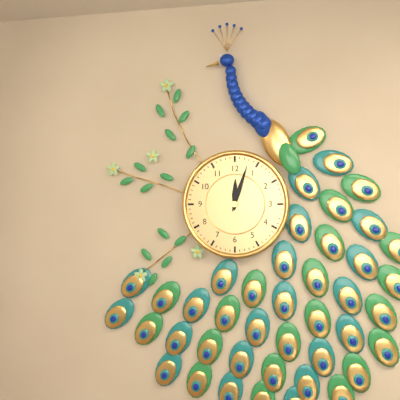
**12:03**
